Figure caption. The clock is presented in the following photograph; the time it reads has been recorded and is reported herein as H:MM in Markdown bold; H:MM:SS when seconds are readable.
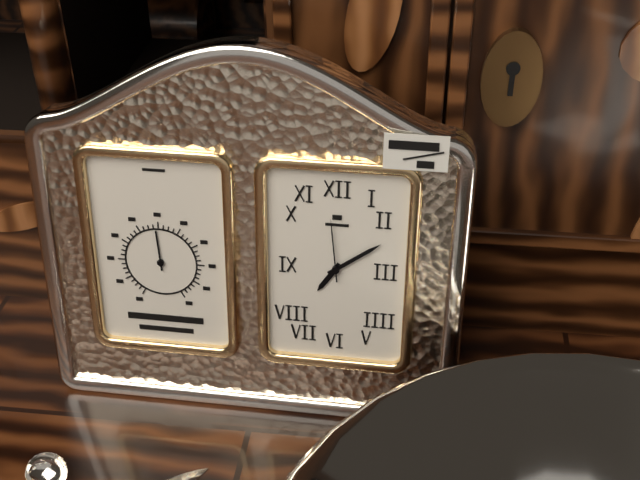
**7:09:59**
